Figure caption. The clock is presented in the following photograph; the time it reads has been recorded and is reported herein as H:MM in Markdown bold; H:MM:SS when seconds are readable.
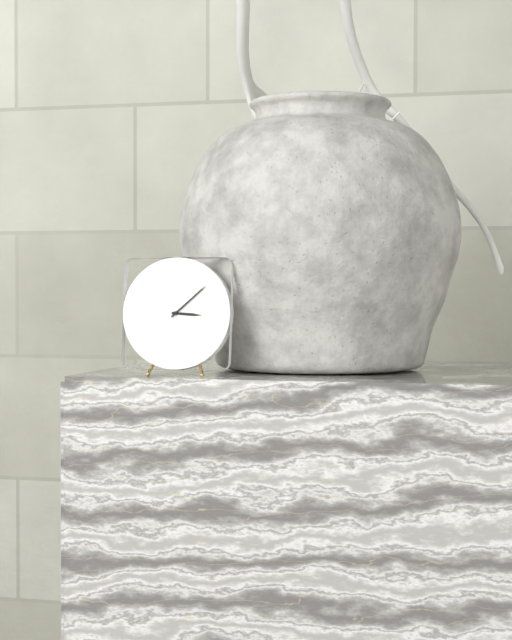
**3:08**
